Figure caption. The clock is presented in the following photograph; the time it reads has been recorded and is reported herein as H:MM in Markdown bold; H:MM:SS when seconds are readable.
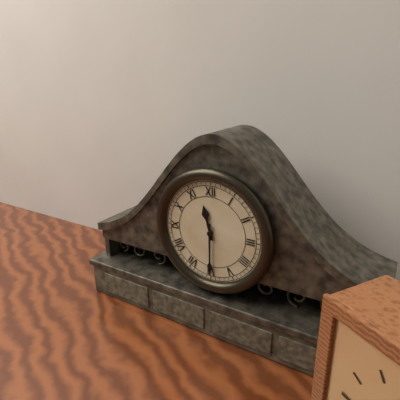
**11:30**
